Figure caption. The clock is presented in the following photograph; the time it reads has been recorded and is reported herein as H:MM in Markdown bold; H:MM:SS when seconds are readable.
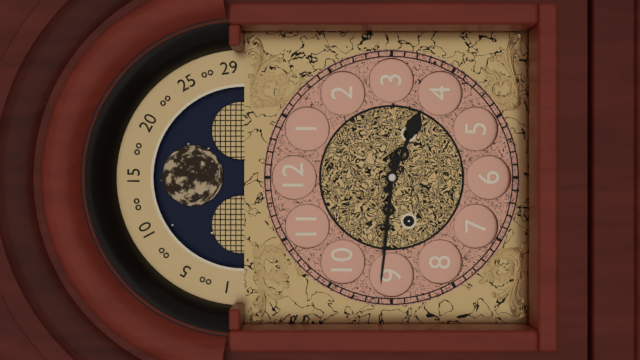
**3:46**
